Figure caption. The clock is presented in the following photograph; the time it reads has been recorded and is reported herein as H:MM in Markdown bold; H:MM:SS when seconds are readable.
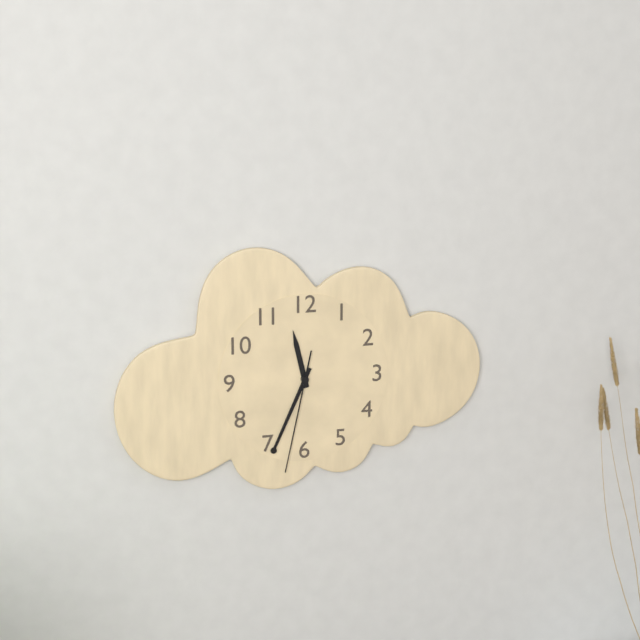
**11:34:32**
